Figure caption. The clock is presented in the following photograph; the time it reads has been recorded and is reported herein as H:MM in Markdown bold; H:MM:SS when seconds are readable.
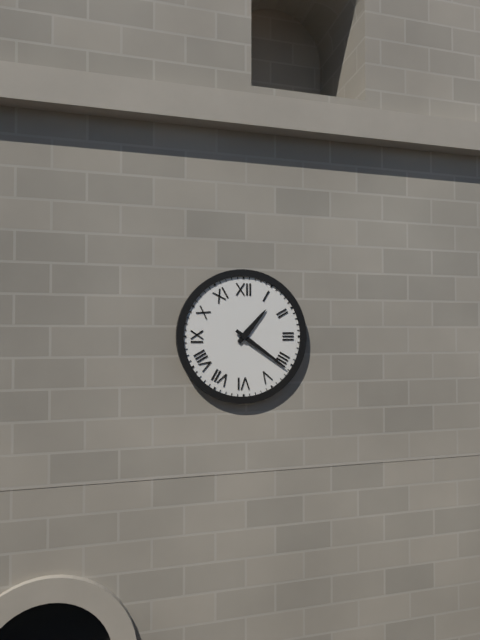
**1:21**
